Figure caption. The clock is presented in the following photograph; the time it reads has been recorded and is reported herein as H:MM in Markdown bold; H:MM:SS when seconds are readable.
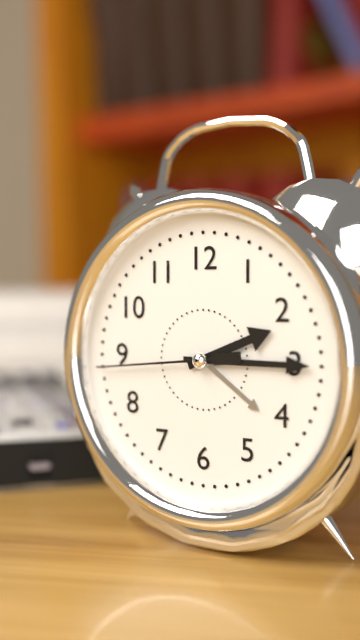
**2:15:44**
